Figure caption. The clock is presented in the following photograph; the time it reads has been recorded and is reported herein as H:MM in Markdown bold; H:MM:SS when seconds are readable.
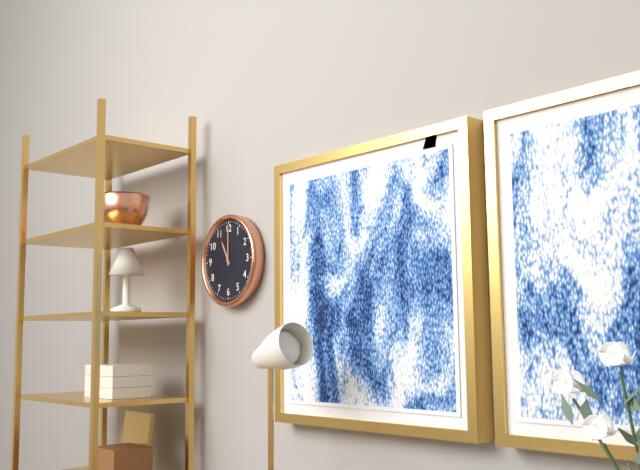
**11:00**
